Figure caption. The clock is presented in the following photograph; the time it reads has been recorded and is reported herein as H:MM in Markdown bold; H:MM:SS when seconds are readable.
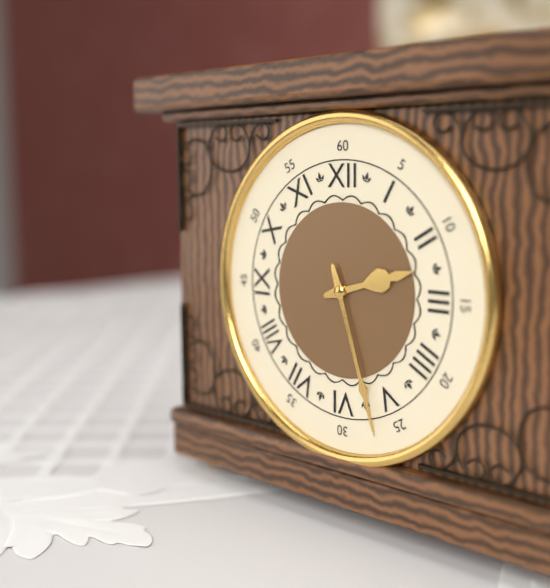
**2:27**
